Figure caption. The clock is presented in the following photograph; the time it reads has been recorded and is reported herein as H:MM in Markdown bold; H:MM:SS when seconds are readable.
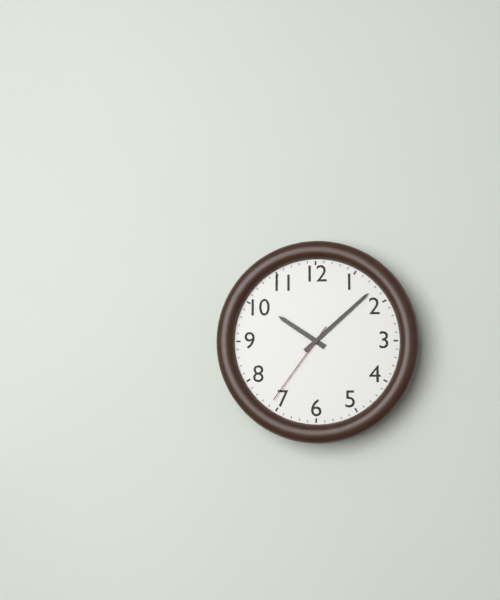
**10:08:36**
